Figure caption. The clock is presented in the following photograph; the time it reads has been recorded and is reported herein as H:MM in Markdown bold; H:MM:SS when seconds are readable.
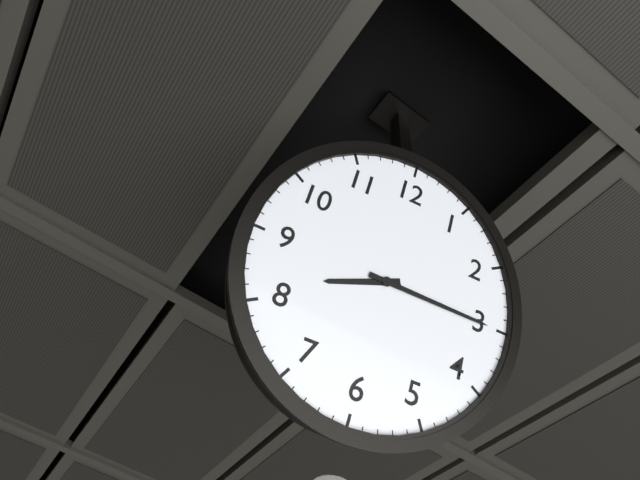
**8:15**
